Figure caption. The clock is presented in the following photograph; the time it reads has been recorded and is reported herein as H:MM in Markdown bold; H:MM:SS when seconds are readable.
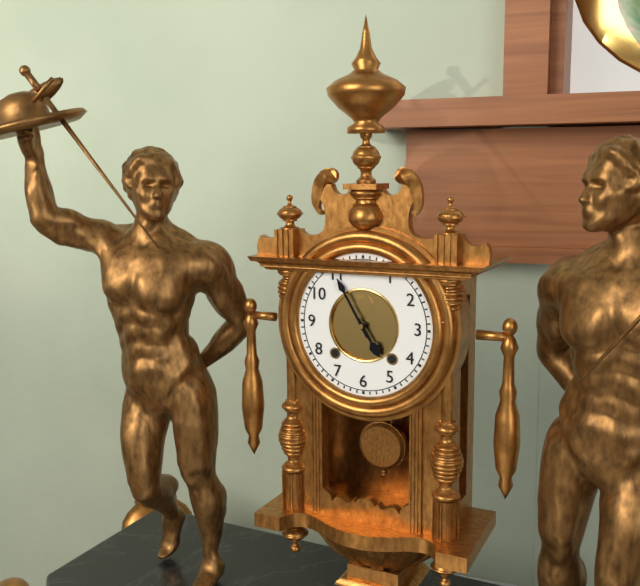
**4:55**
